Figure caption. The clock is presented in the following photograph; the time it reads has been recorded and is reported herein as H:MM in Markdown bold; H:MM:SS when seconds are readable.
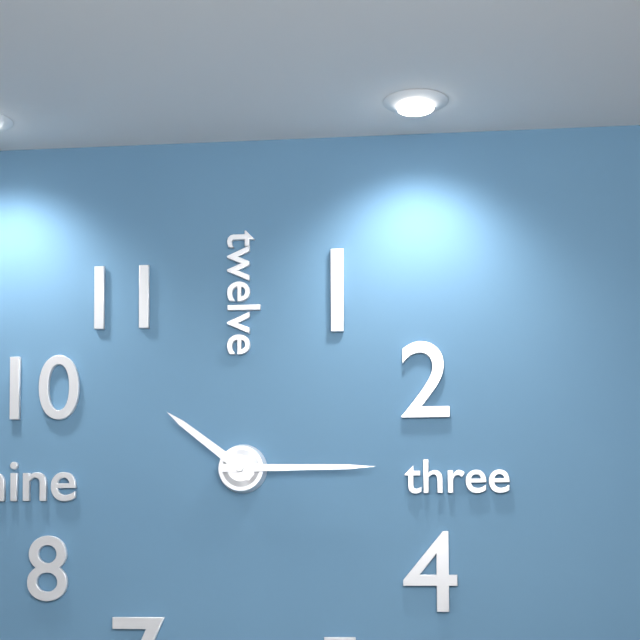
**10:15**
